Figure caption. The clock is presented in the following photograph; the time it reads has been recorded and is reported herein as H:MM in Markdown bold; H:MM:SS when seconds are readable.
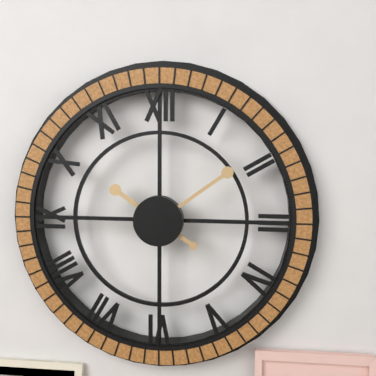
**10:09**
